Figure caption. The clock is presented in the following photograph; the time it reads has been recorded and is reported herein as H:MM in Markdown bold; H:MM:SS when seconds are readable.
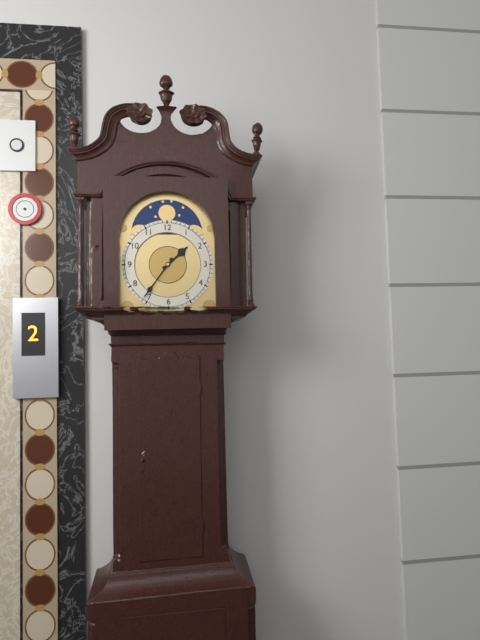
**1:36**
